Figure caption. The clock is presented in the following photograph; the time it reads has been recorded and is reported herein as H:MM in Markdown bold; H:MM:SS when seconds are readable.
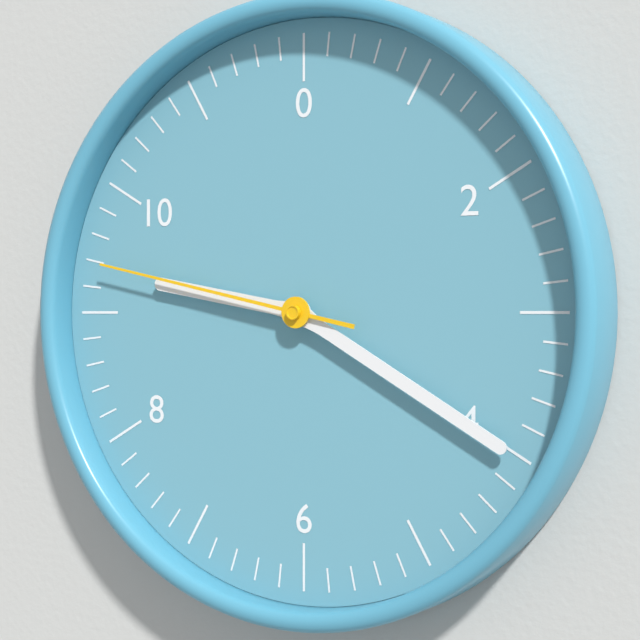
**9:20:47**
